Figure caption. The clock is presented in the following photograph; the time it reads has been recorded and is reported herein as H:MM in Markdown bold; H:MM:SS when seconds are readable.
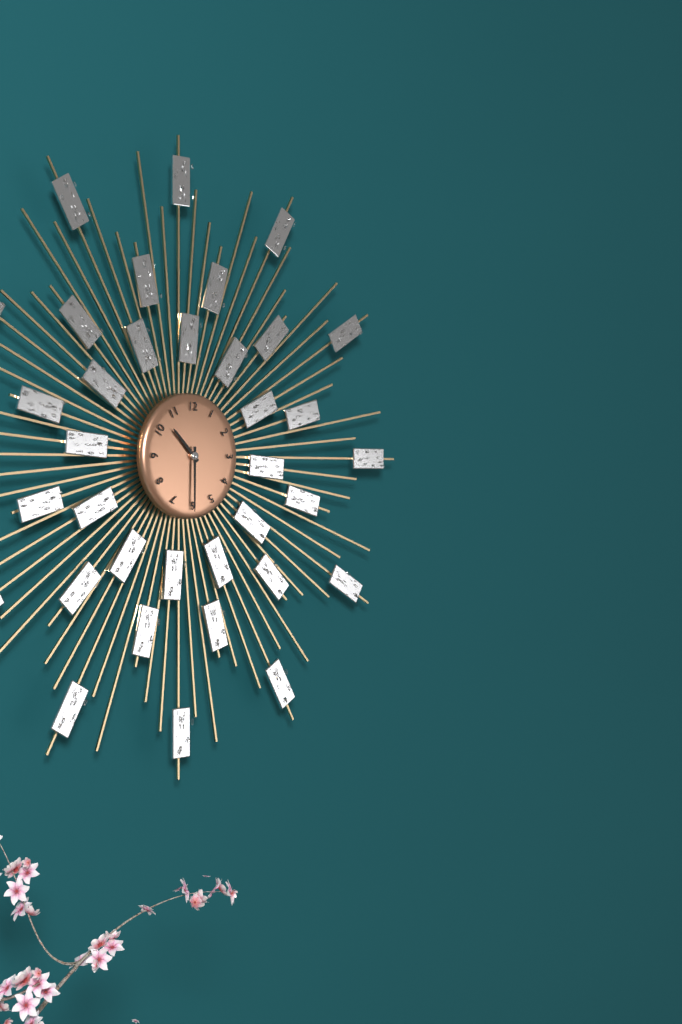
**10:30**
